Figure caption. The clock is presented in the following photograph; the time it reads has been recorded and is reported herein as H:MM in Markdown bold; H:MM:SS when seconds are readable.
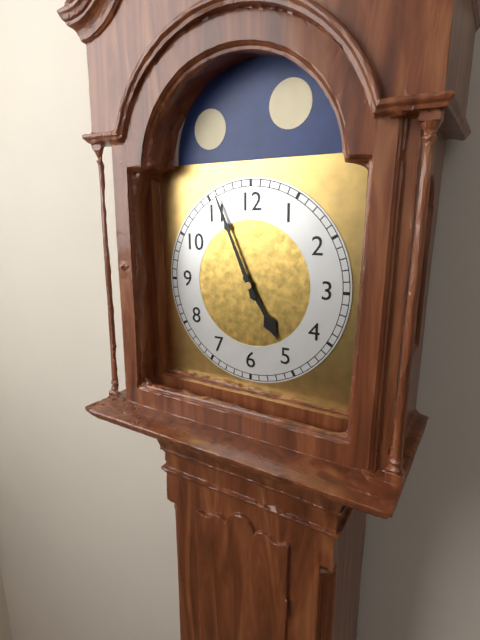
**4:56**
